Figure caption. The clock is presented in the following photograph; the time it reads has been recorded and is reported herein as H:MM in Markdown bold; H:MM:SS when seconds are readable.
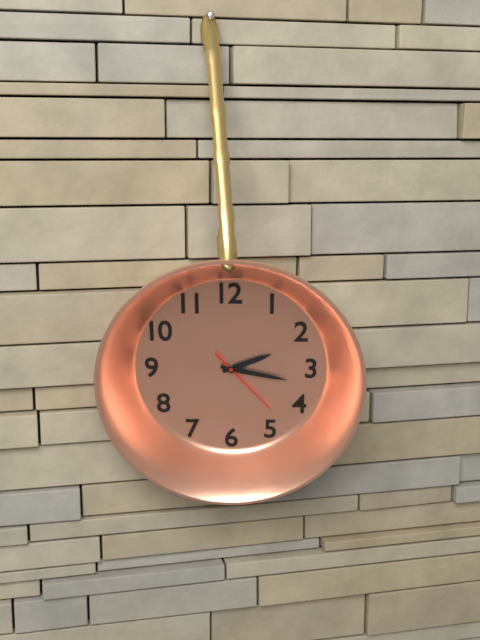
**2:17:23**
